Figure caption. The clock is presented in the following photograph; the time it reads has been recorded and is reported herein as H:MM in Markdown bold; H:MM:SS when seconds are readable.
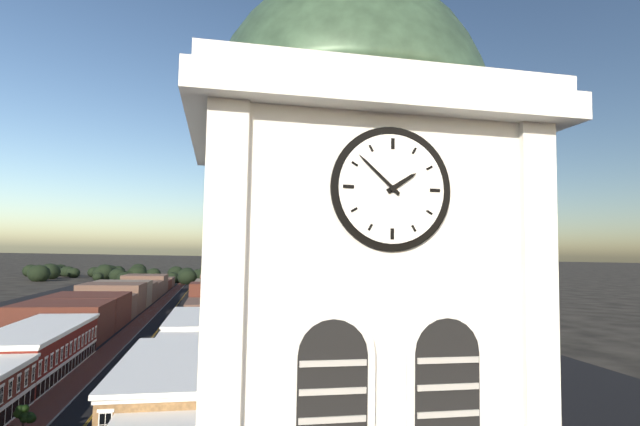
**1:52**
